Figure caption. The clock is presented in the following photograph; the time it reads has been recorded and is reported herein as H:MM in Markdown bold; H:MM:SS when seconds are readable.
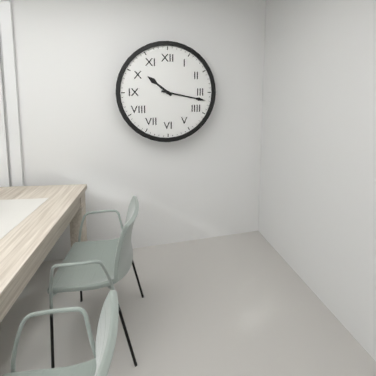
**10:17**
